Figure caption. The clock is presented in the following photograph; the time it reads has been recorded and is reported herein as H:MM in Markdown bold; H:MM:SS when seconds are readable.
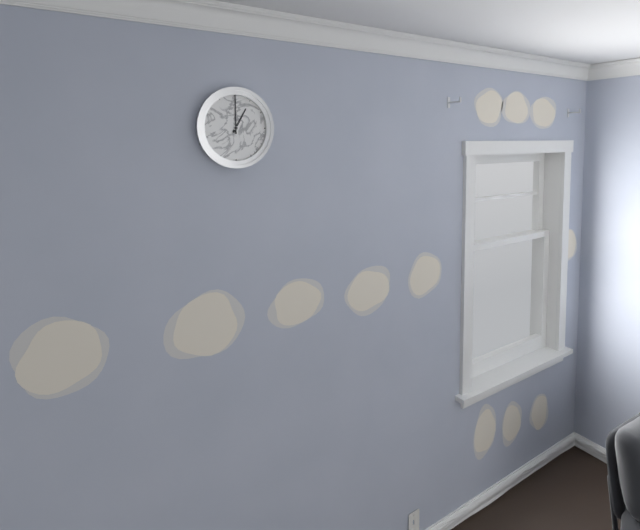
**1:00**
